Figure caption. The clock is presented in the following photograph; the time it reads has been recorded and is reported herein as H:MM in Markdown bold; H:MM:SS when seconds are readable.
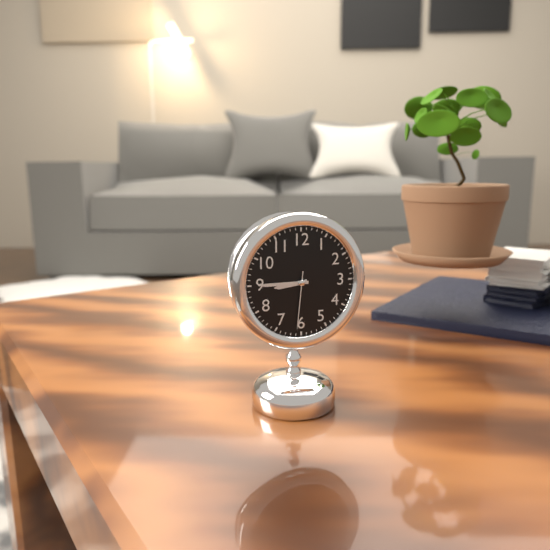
**8:45:31**
